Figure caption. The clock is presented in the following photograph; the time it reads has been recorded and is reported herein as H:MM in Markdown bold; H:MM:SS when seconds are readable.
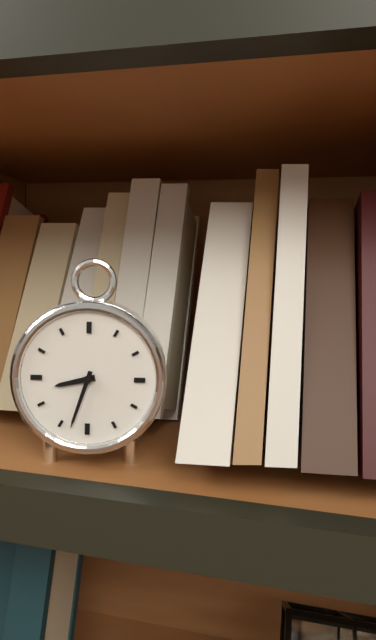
**8:33**
